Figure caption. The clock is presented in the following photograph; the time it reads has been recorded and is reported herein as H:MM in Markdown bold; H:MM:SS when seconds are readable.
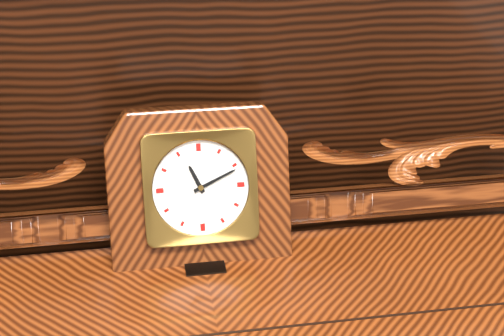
**11:11**
